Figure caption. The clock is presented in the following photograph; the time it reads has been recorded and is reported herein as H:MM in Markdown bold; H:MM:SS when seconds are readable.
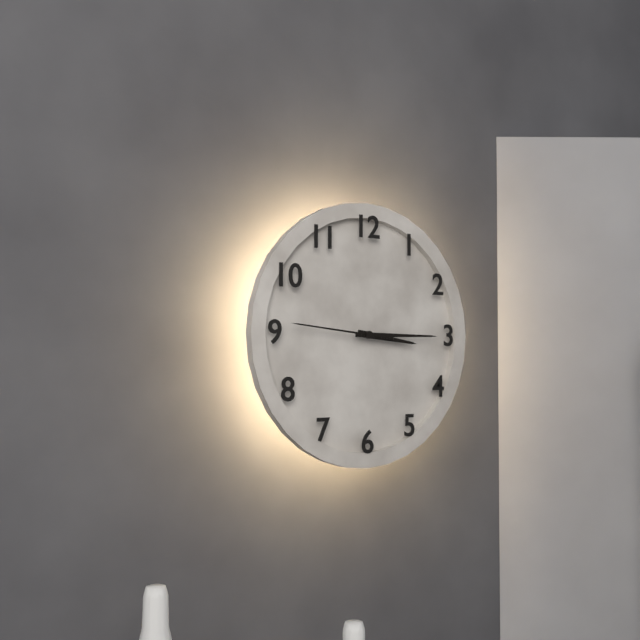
**3:15:46**
